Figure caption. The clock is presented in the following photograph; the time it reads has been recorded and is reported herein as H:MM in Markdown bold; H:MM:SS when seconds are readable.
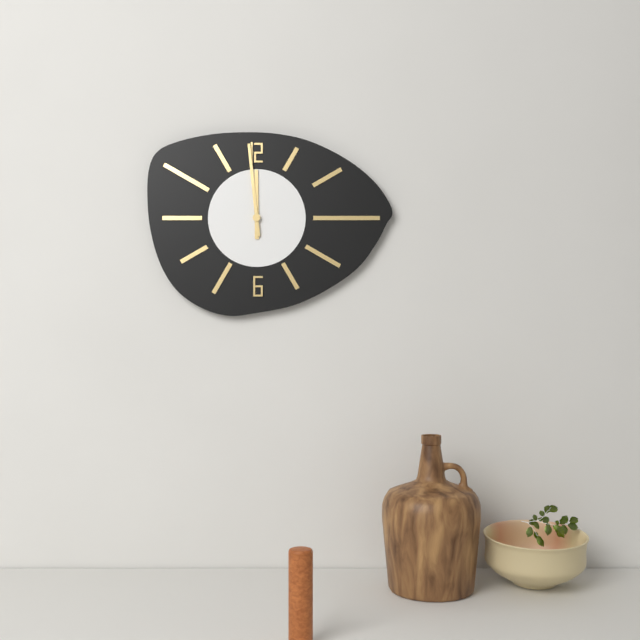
**11:59**
